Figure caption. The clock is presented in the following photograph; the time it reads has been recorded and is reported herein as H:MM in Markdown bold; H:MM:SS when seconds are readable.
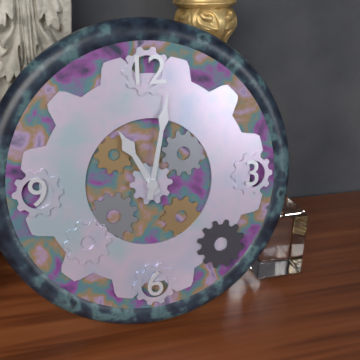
**11:02**
